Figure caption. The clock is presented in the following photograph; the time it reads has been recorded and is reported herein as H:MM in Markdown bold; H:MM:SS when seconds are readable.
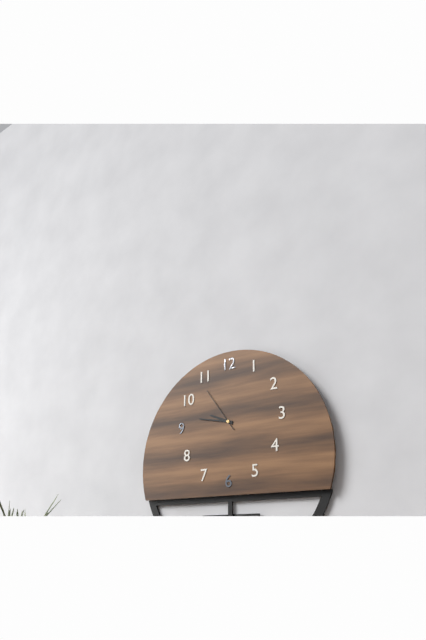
**9:47**
